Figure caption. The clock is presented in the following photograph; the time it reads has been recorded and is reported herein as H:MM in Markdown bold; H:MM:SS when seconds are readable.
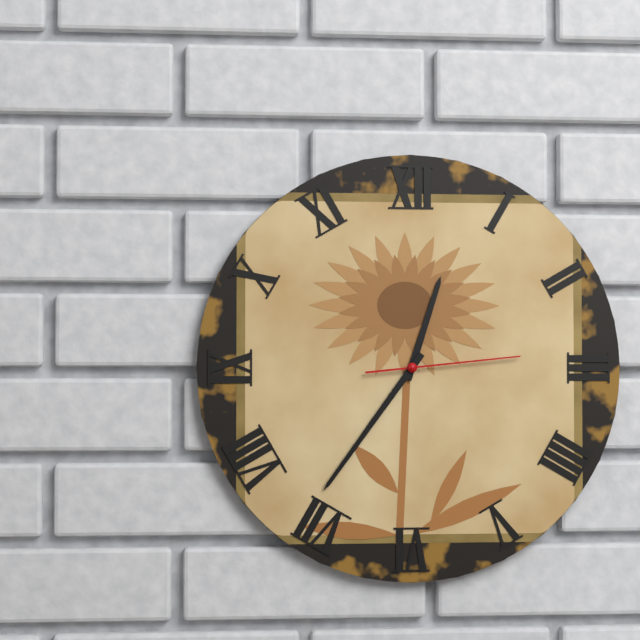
**12:36:14**
